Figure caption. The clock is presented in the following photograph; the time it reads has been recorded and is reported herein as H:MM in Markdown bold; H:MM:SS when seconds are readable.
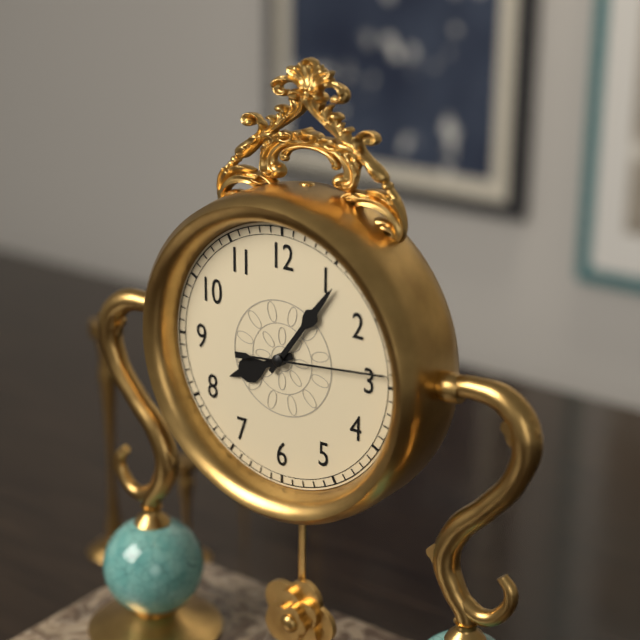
**8:06:14**
